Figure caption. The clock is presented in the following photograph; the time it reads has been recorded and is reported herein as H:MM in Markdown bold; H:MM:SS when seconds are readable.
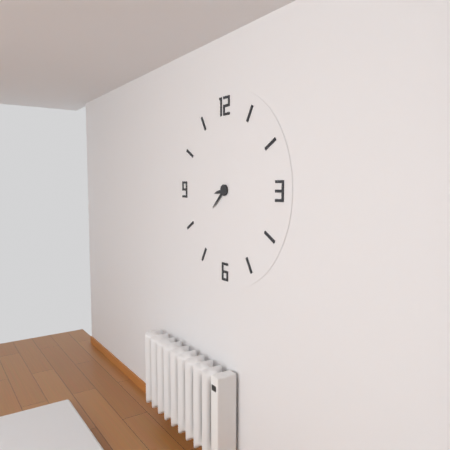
**8:38**
